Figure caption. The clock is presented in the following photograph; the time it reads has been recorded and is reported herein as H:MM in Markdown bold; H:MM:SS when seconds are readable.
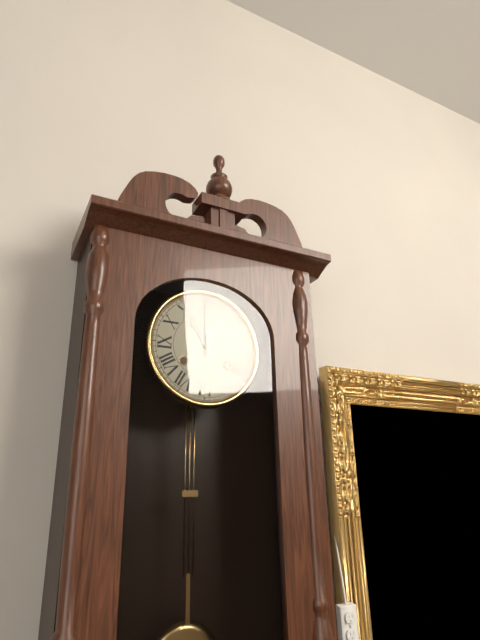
**11:00**
